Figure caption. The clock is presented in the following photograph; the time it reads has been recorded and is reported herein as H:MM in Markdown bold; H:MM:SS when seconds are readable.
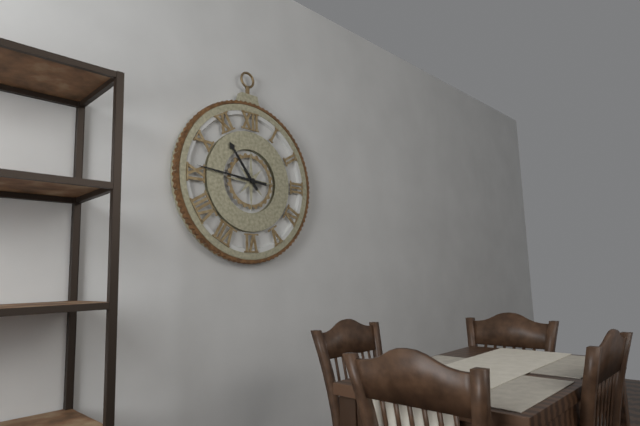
**10:46**
